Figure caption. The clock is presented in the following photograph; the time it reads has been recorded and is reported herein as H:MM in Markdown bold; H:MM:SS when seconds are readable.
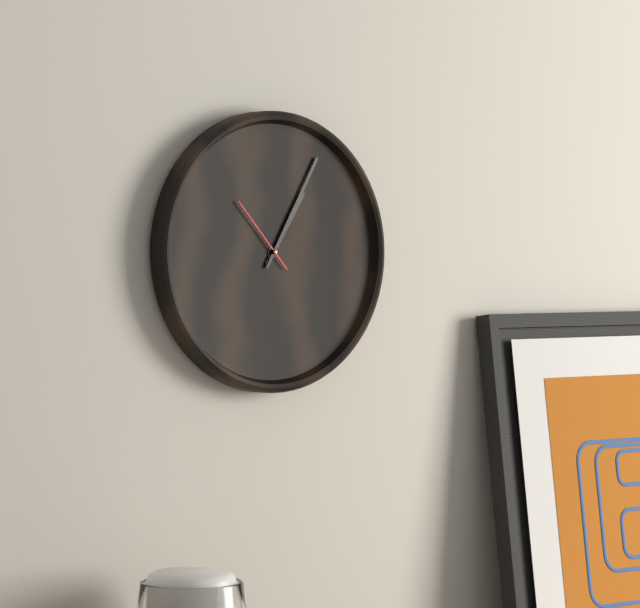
**1:05:53**
